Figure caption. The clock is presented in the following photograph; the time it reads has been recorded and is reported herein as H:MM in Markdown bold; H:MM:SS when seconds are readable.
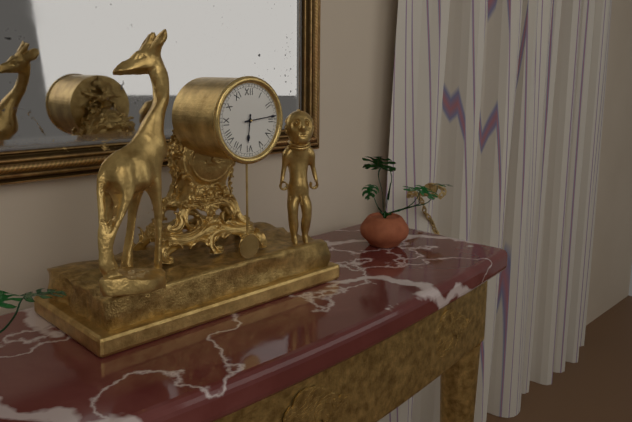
**6:14**
